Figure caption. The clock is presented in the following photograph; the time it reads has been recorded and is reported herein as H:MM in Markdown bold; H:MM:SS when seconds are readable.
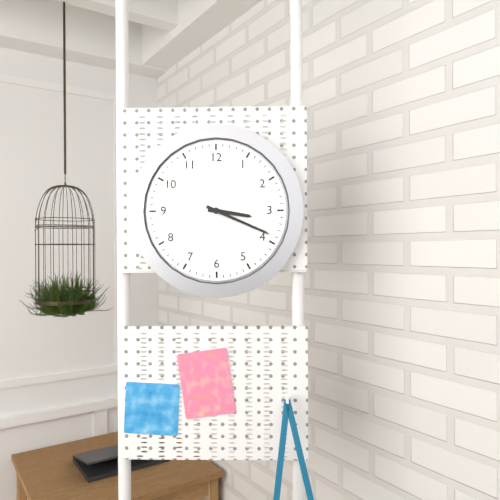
**3:19**
